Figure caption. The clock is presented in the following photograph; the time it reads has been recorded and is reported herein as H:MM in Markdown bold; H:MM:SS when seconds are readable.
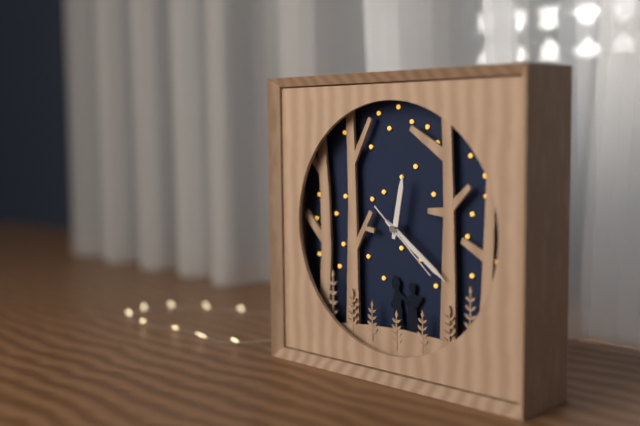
**12:21:22**
